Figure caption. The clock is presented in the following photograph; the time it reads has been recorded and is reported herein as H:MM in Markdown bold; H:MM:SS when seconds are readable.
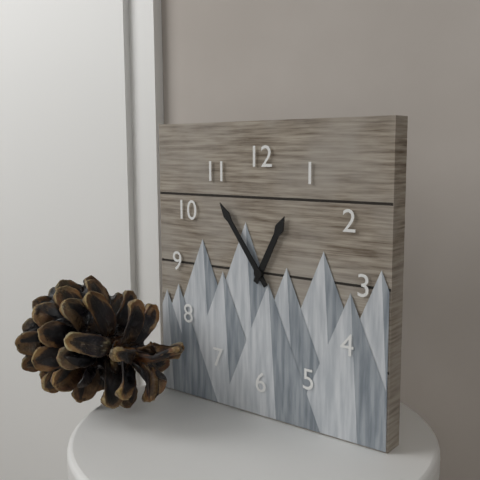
**12:54**
